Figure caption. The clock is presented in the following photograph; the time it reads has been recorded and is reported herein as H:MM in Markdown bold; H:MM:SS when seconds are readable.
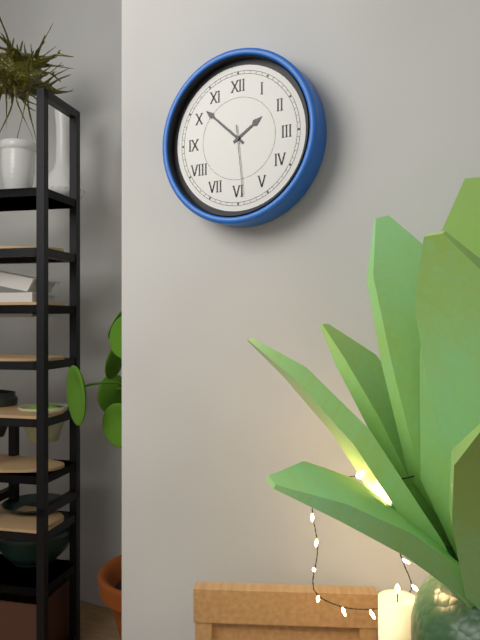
**1:52:29**
